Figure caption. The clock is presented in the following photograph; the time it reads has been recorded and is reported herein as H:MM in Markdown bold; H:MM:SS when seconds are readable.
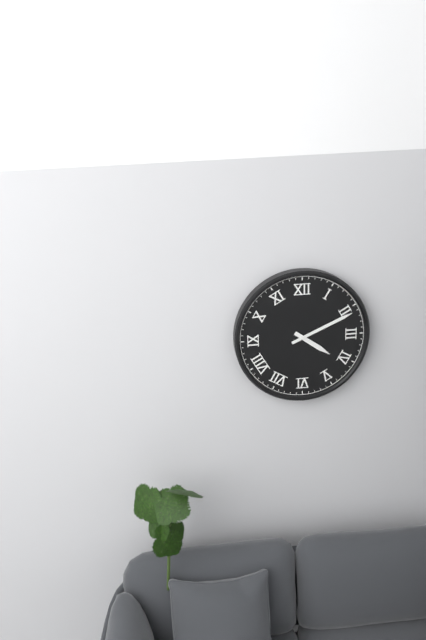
**4:11**
